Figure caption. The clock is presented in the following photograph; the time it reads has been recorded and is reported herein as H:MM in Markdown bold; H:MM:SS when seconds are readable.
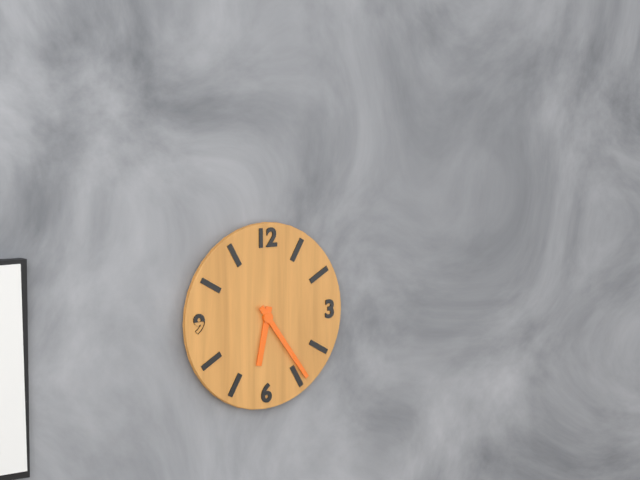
**6:24**
